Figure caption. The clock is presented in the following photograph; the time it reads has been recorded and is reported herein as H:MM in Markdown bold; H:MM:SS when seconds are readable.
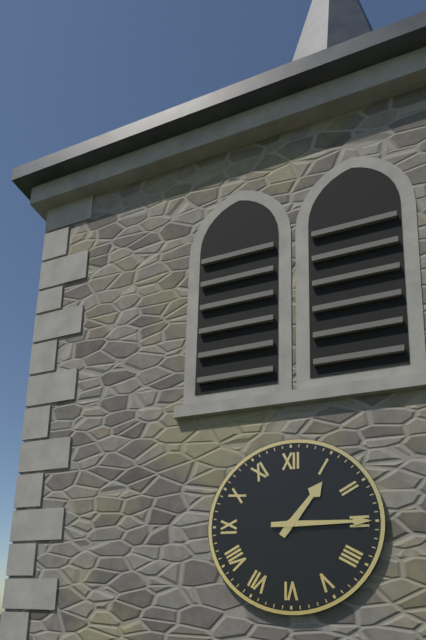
**1:15**
